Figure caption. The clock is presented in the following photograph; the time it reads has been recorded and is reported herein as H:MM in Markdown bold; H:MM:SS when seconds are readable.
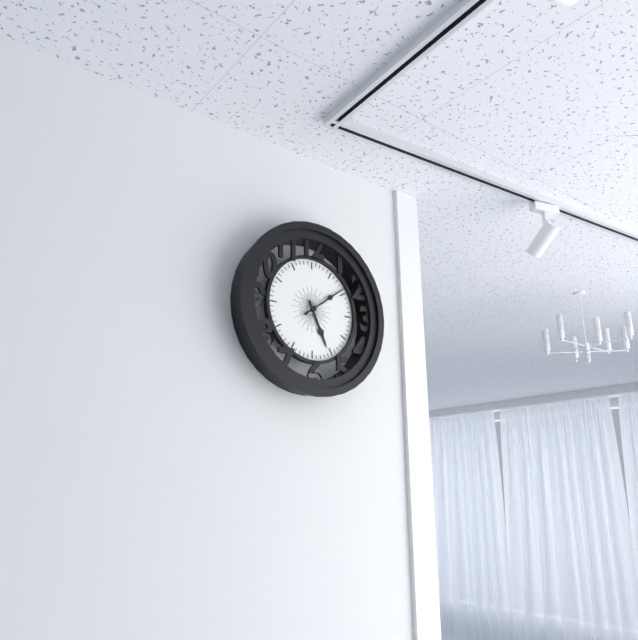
**5:09**
